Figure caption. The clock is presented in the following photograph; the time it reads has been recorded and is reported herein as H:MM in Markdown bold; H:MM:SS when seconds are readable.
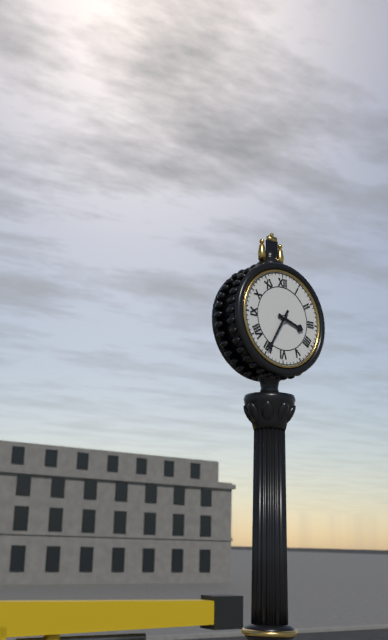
**3:35**
